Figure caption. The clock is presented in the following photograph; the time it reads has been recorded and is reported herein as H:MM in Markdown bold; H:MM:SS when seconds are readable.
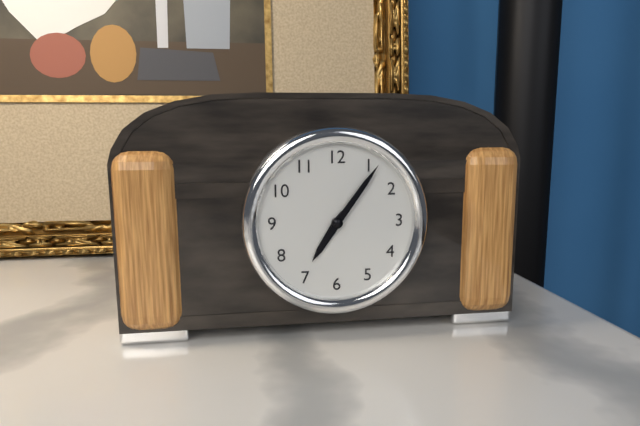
**7:06**
